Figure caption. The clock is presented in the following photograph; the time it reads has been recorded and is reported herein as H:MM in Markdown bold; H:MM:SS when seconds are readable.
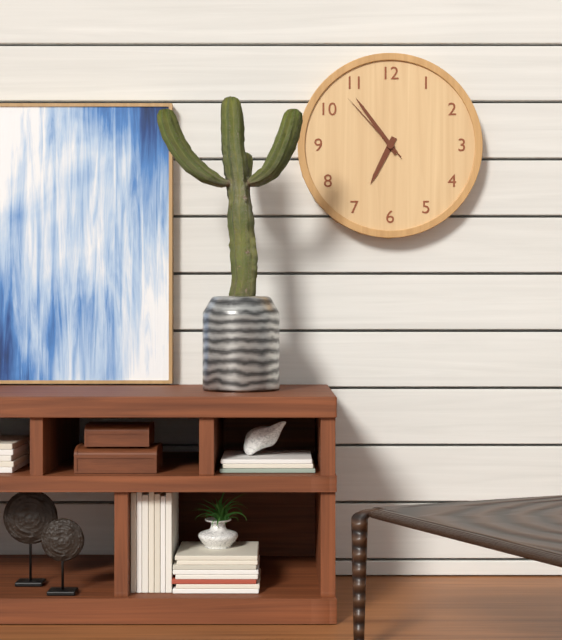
**6:54:53**
